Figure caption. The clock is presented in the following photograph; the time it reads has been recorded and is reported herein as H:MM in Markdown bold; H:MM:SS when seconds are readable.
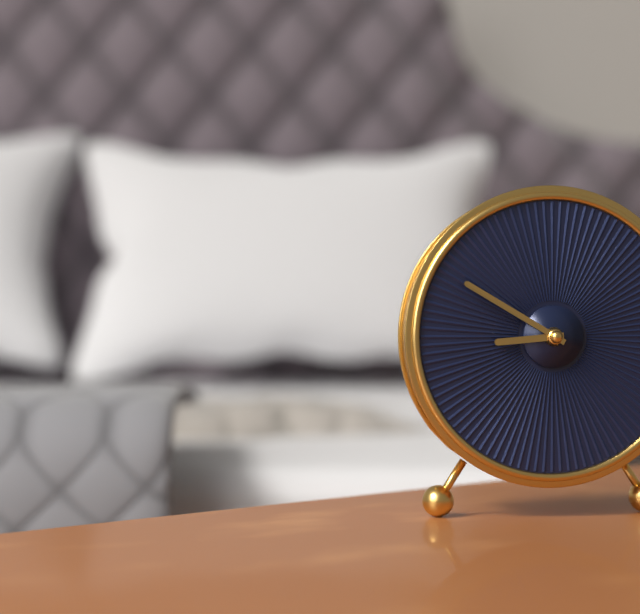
**8:50**
